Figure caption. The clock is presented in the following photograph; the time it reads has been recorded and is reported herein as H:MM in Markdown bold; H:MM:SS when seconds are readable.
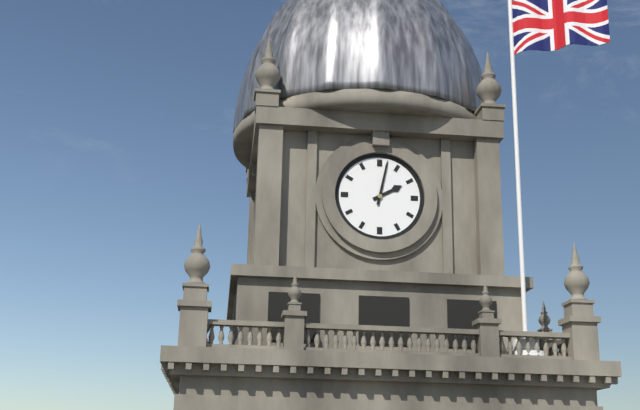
**2:02**
